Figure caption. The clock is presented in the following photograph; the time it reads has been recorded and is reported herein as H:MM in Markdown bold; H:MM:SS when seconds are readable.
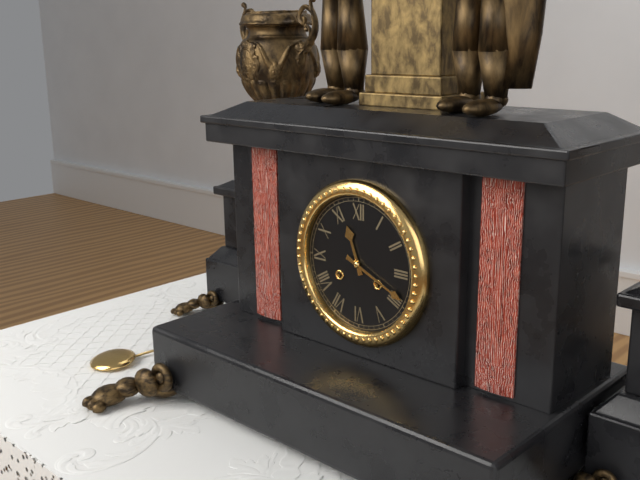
**11:19**
